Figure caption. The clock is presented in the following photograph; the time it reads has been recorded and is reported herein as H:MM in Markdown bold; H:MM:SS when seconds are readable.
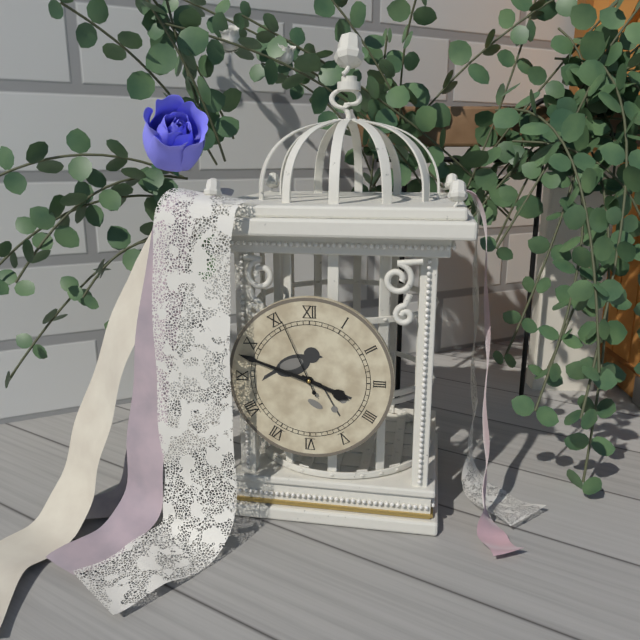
**3:48:56**
